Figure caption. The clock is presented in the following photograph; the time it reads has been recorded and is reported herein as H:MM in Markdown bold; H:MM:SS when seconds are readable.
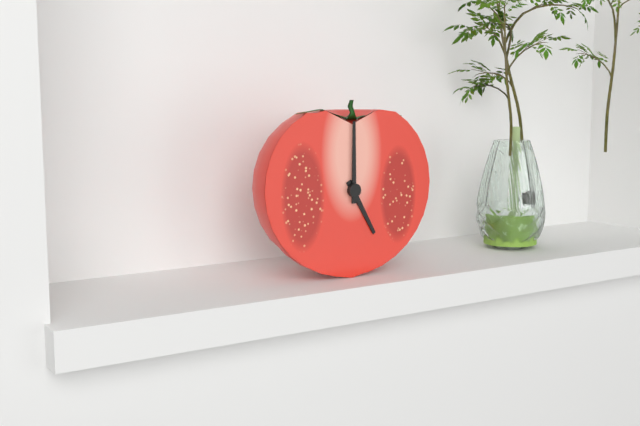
**5:00**
